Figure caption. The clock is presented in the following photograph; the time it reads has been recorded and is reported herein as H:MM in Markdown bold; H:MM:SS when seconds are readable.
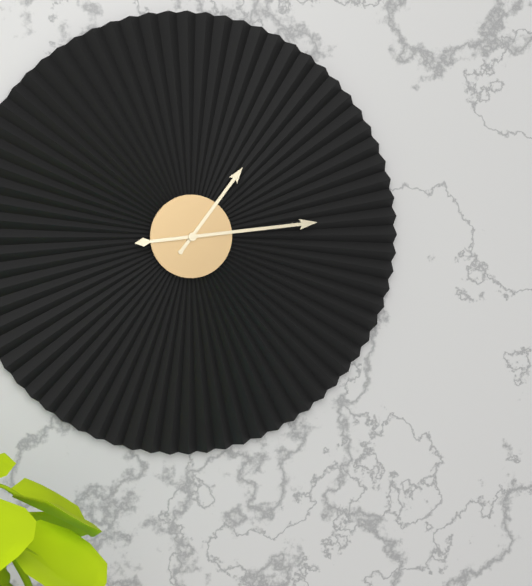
**1:14**
